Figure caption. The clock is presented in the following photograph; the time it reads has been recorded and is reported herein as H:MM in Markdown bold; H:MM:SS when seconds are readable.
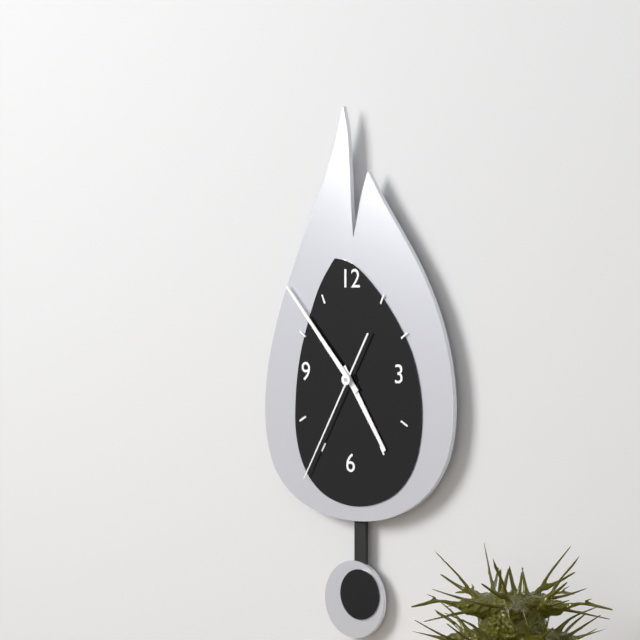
**4:53:35**
